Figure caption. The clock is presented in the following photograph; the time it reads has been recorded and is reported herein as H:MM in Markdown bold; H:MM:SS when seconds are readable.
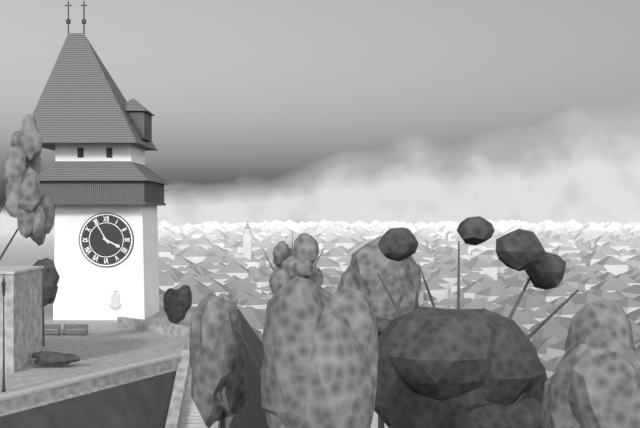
**3:55**
